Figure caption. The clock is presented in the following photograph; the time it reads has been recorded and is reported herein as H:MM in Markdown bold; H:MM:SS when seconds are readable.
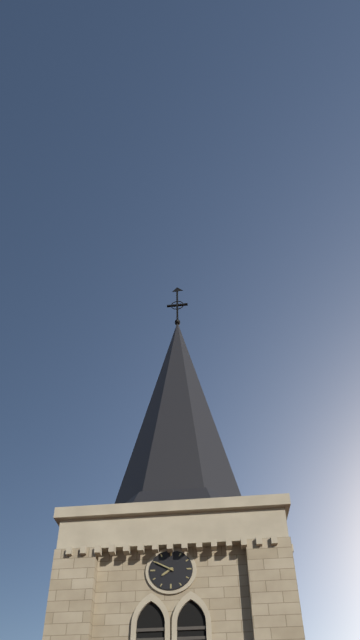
**7:50**
